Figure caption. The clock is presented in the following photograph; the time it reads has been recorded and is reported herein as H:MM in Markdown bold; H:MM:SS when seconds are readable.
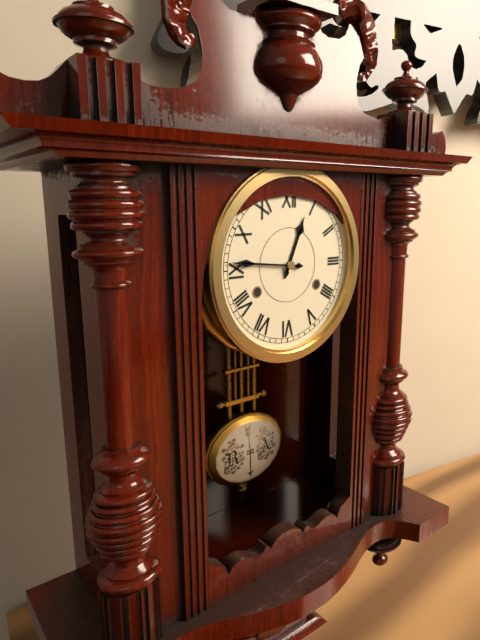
**12:46**
